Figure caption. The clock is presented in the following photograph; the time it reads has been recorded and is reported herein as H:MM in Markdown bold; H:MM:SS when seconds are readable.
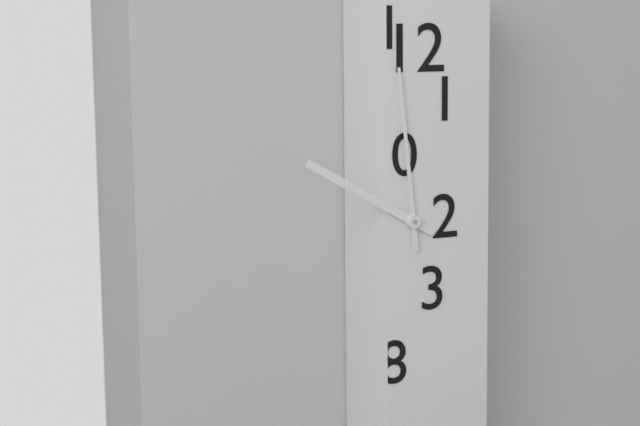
**9:59**
